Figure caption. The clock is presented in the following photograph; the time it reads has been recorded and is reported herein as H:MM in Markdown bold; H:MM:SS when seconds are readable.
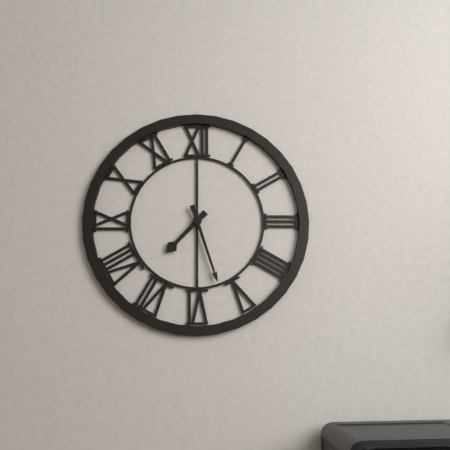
**7:27**
